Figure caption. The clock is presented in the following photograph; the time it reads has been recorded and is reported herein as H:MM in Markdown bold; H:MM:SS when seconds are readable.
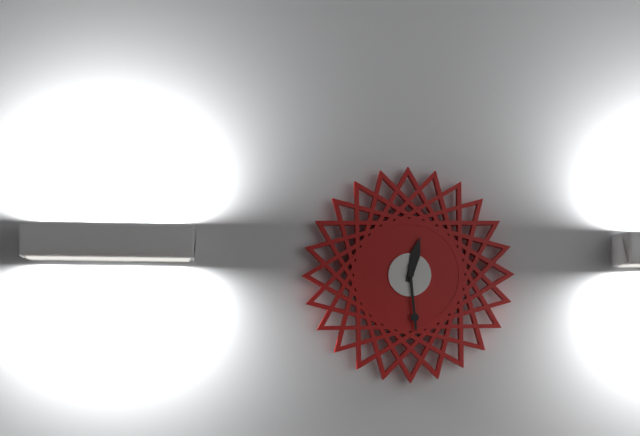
**12:29**
